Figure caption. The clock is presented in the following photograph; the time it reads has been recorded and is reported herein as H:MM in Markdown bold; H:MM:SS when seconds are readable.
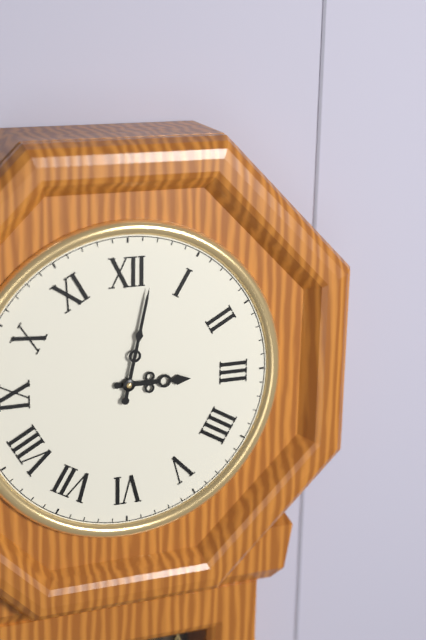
**3:02**
